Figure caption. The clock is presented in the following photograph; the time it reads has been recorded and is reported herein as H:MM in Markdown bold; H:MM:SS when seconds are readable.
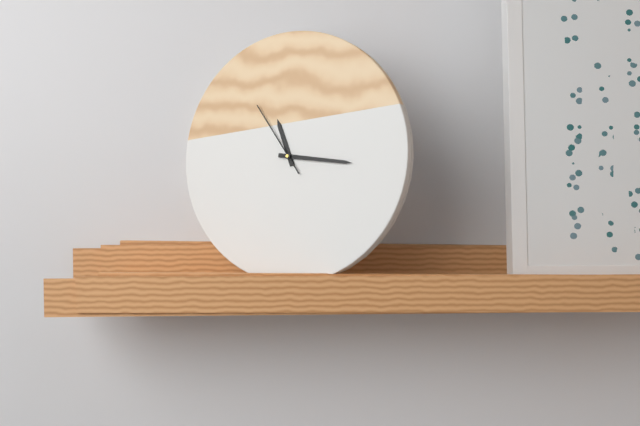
**11:16:54**
